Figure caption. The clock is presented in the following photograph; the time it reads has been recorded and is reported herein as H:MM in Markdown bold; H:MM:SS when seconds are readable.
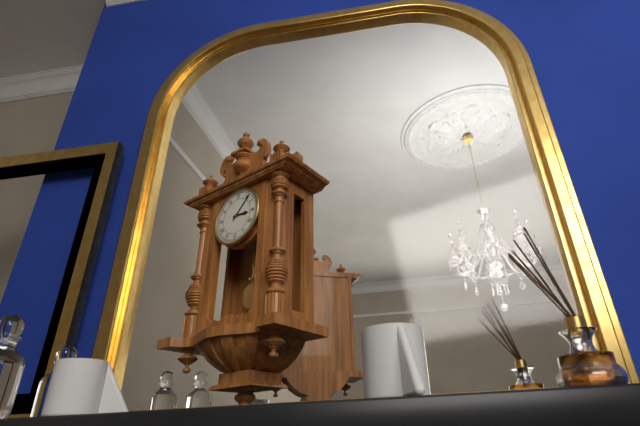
**3:07**
